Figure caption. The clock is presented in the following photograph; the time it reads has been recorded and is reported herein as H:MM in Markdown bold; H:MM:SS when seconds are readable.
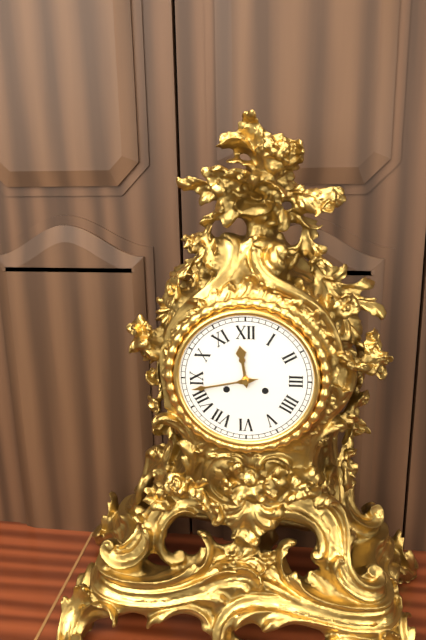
**11:43**
